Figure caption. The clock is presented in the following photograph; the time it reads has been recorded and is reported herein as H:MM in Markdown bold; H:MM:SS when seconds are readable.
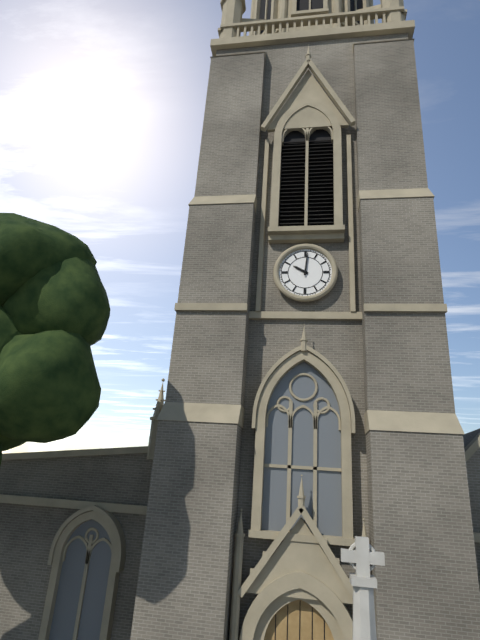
**10:01**
